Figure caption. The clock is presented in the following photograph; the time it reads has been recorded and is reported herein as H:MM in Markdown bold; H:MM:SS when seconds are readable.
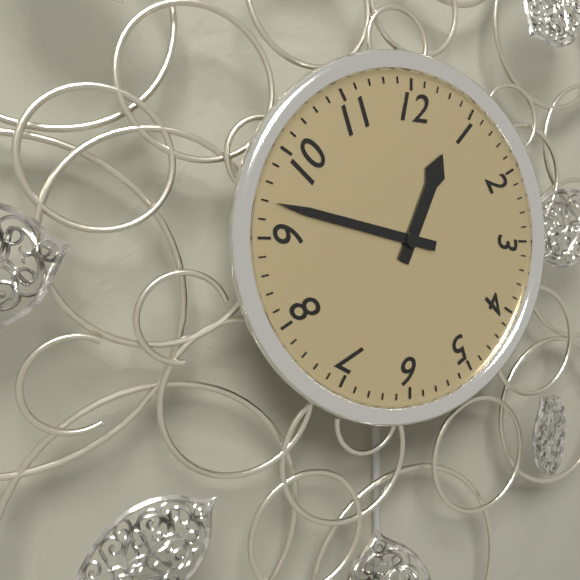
**12:47**
